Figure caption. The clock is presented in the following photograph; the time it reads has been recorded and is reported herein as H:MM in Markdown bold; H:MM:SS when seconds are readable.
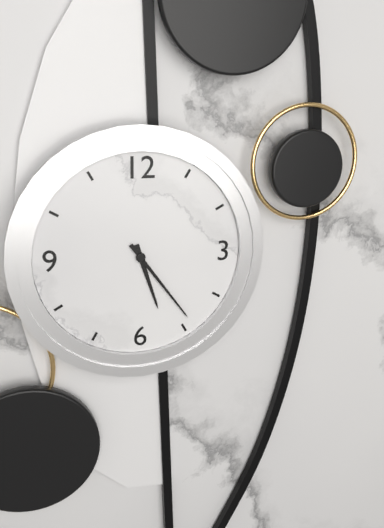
**5:24**
